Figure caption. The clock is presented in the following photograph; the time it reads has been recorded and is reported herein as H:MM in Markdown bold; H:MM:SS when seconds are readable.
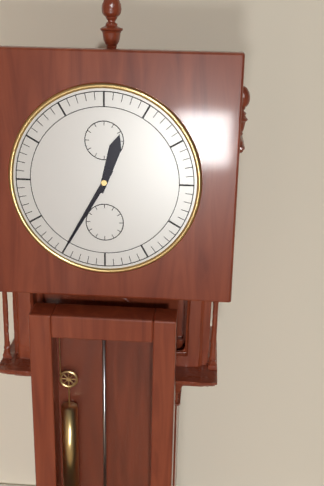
**12:35**
